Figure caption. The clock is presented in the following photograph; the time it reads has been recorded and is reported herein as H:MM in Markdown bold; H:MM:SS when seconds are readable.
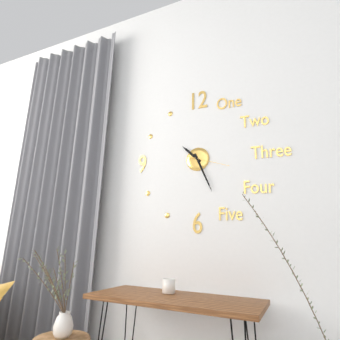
**10:26**
